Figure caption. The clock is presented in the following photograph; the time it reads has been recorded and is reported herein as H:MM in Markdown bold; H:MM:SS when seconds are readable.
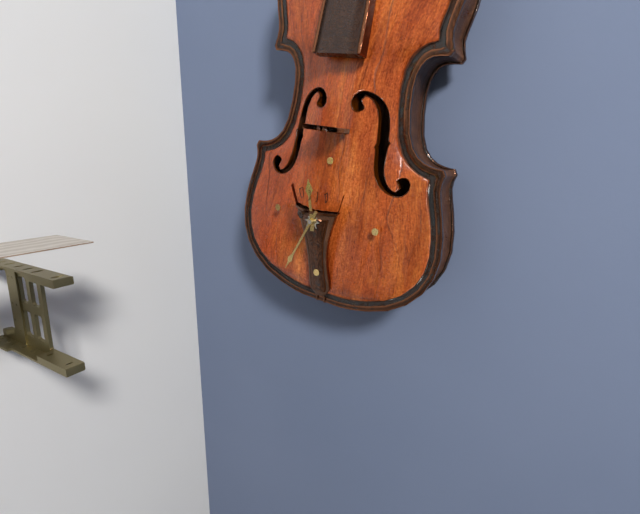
**11:34**
